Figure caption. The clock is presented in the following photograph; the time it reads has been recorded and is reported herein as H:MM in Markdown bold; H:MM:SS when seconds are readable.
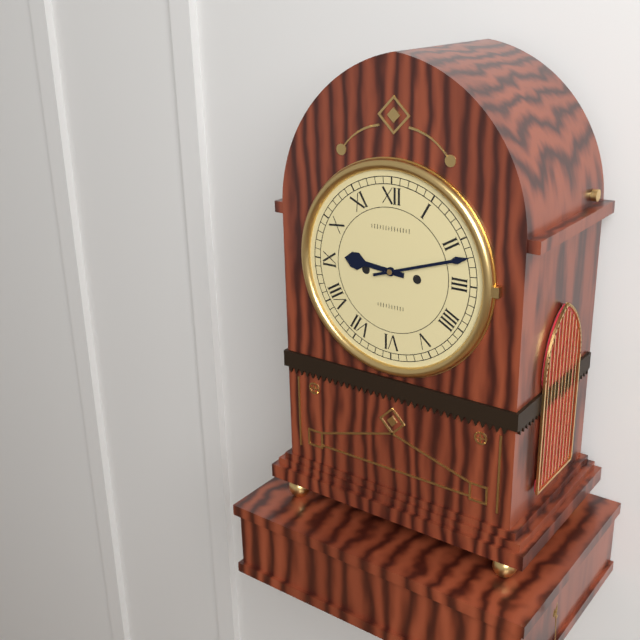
**9:12**
